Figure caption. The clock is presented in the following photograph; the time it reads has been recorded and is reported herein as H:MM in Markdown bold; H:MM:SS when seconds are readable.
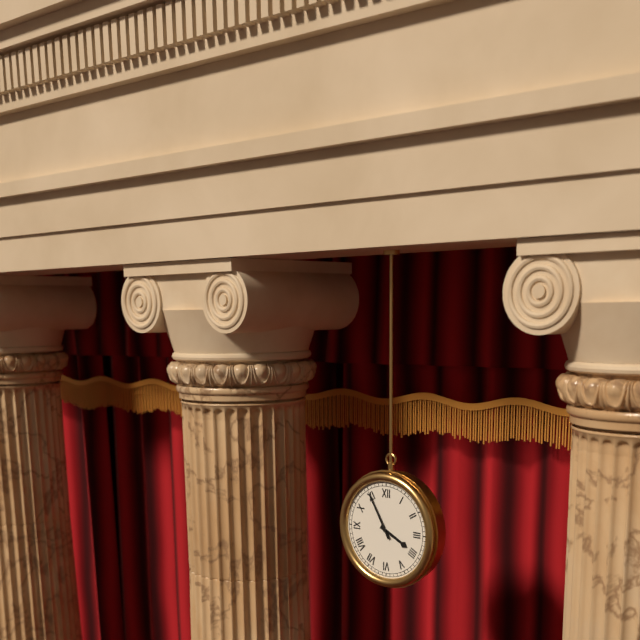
**3:55**
